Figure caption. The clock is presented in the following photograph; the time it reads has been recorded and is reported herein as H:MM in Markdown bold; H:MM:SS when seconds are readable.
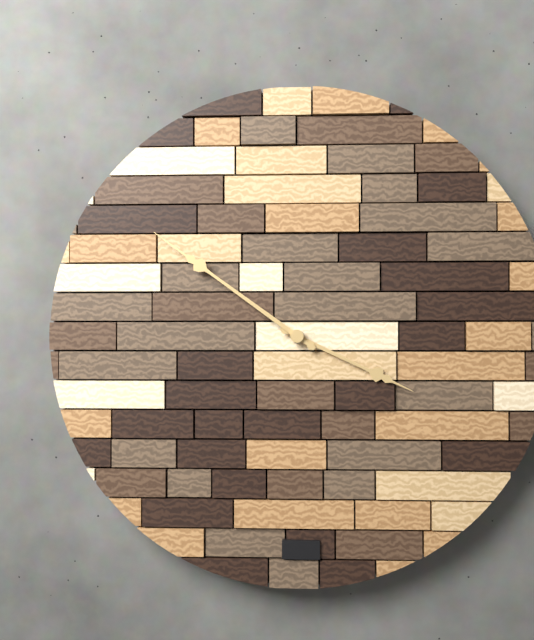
**3:51**
